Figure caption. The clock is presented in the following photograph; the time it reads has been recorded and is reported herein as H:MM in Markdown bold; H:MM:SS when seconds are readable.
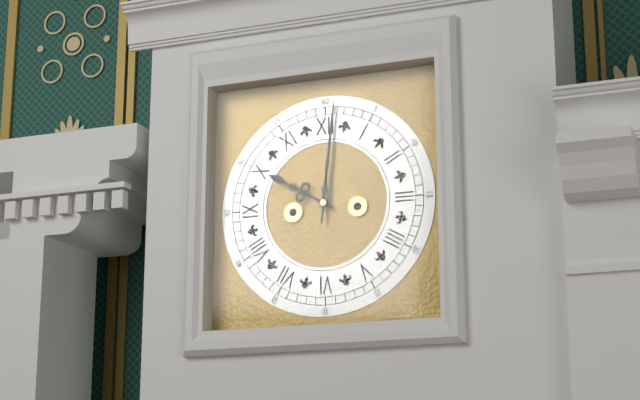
**10:01**
